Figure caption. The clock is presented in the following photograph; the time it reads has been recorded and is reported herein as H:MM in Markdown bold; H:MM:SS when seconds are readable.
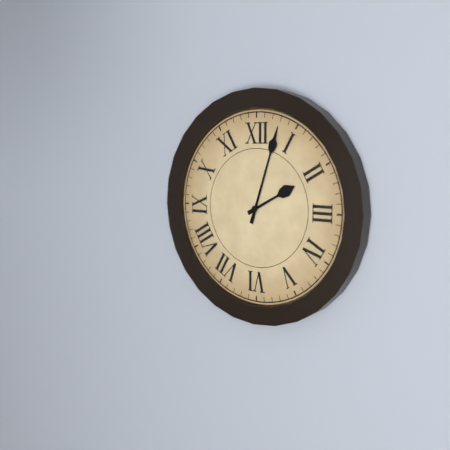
**2:03**
